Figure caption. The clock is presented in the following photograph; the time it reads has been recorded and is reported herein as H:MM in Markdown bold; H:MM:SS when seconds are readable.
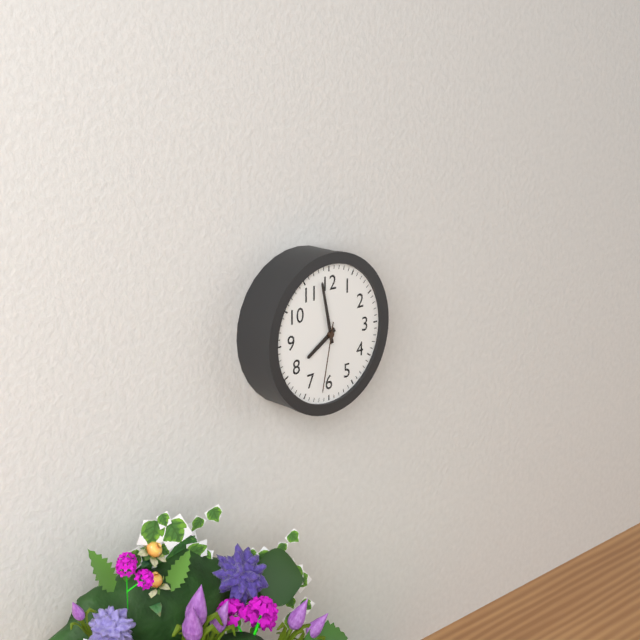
**7:58:32**
